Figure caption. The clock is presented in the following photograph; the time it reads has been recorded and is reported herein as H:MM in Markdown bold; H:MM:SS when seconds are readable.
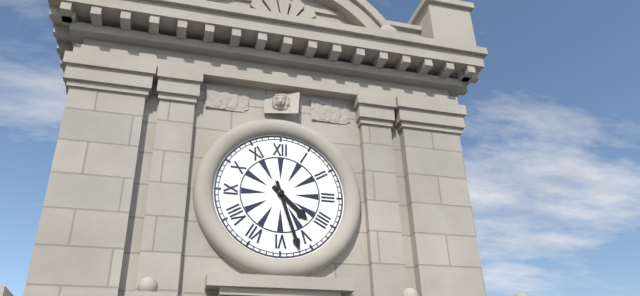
**4:27**
